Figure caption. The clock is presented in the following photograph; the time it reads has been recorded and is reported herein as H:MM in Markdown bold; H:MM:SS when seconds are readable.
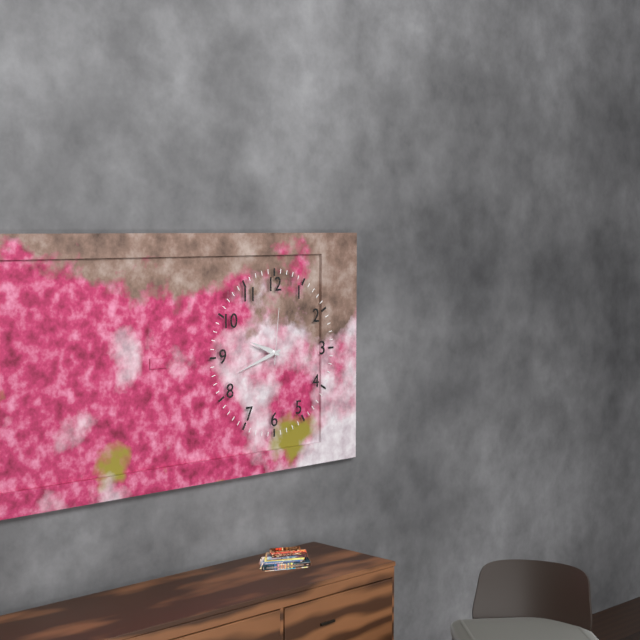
**9:42:01**
